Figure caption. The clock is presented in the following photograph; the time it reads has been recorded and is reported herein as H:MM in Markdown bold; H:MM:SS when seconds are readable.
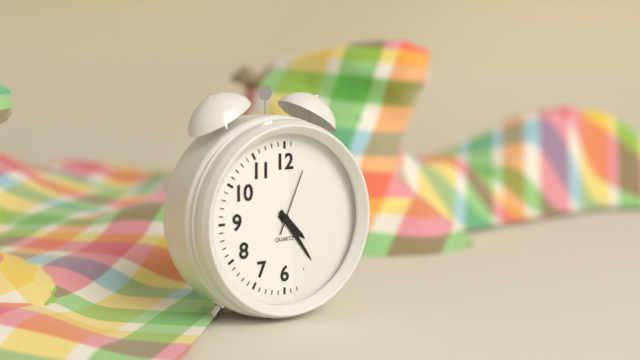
**4:24:04**
